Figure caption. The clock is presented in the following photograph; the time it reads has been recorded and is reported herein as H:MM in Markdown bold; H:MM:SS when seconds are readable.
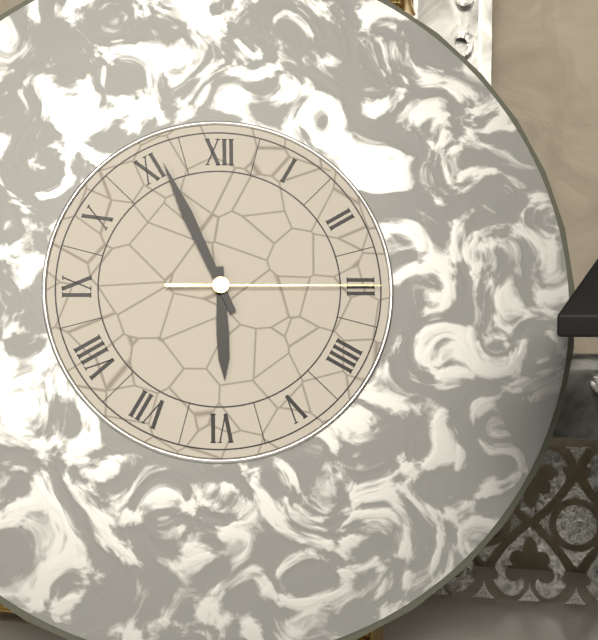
**5:56:15**
